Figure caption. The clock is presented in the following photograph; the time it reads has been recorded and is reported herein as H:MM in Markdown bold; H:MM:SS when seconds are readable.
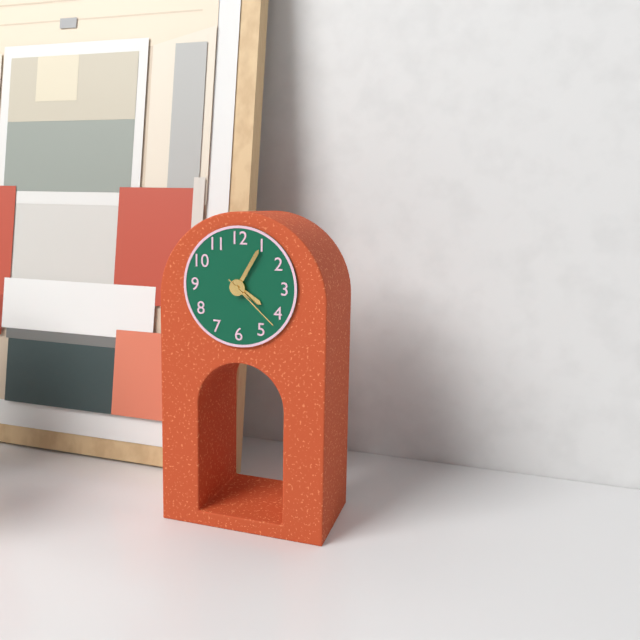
**4:05:22**
